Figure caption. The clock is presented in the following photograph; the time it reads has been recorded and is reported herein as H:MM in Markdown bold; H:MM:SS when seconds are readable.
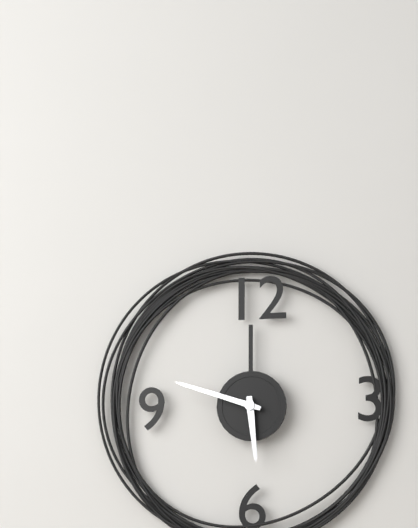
**5:48**
